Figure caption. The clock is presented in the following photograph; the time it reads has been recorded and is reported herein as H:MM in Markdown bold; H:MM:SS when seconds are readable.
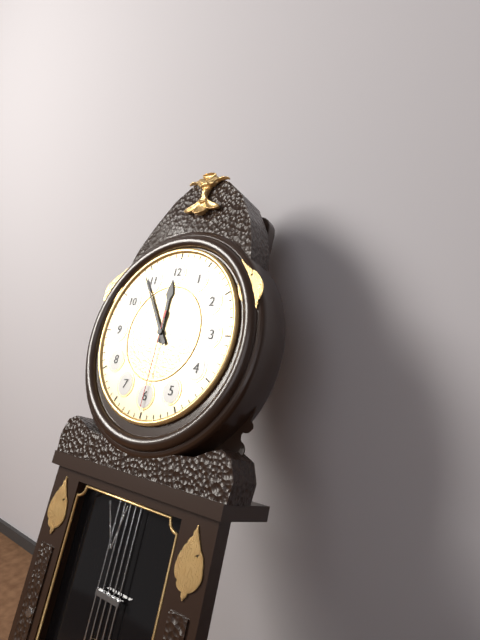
**11:54:30**
